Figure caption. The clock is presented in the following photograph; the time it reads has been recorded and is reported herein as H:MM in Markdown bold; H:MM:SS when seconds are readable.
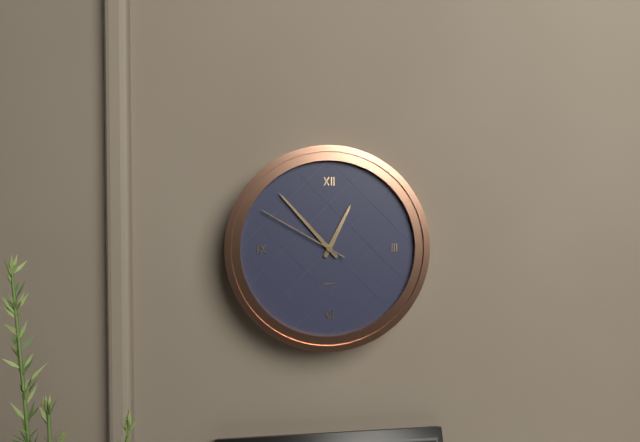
**12:53:50**
